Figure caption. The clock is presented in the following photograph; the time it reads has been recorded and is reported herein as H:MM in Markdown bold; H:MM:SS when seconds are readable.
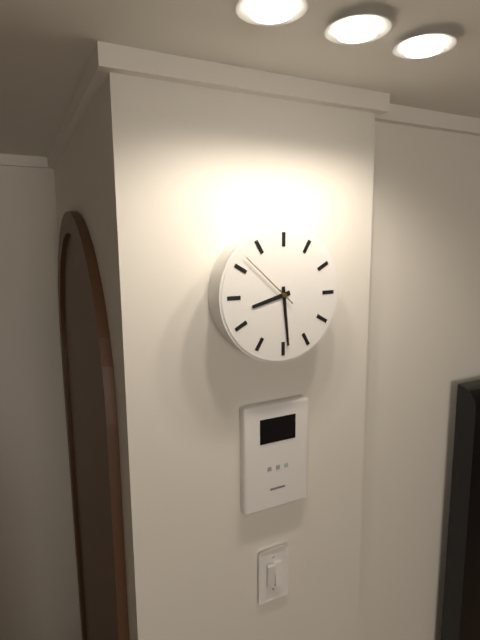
**8:29:52**
